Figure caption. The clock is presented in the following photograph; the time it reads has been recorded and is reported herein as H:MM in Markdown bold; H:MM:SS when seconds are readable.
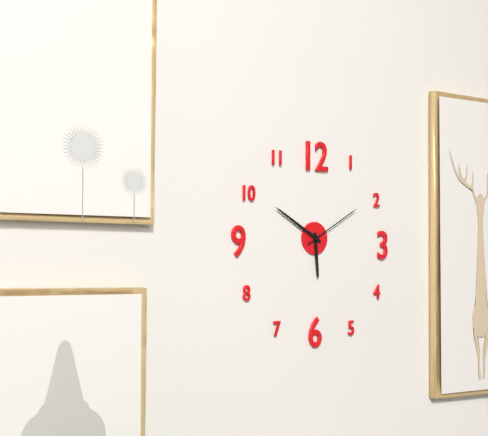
**5:50:10**
